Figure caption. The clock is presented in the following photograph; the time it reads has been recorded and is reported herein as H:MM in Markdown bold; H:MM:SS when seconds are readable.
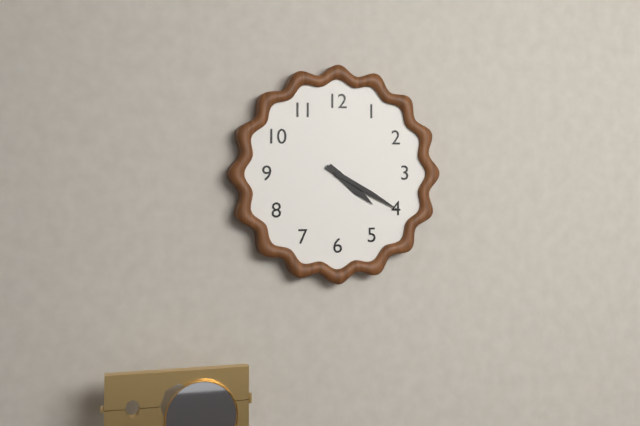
**4:20**
